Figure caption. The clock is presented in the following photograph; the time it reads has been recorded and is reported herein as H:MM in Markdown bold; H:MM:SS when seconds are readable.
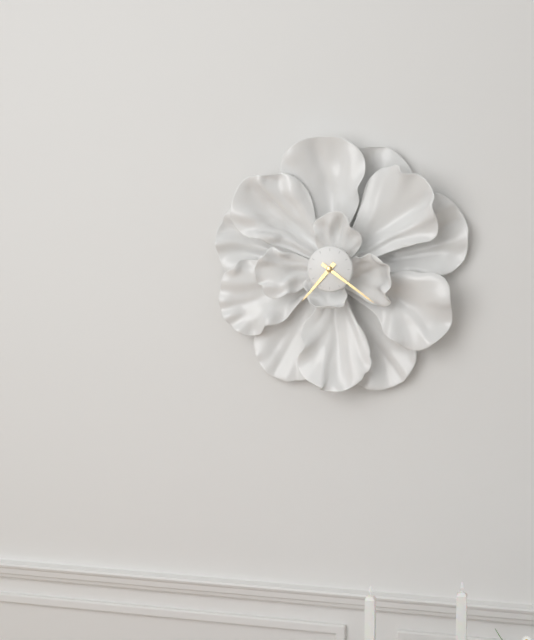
**7:21**
